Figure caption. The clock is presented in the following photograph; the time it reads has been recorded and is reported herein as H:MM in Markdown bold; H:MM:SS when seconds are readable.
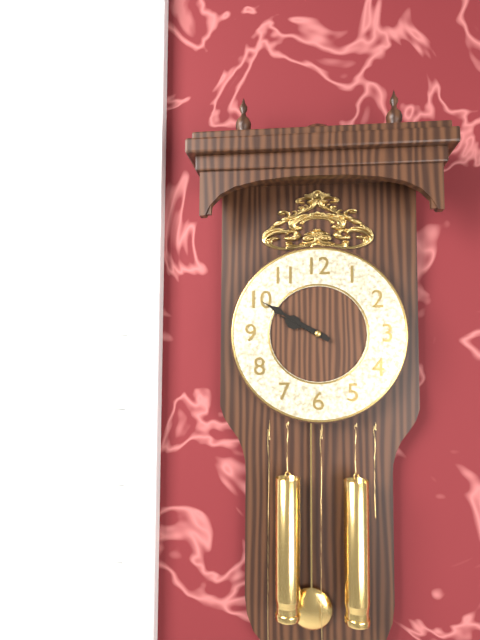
**9:50**
